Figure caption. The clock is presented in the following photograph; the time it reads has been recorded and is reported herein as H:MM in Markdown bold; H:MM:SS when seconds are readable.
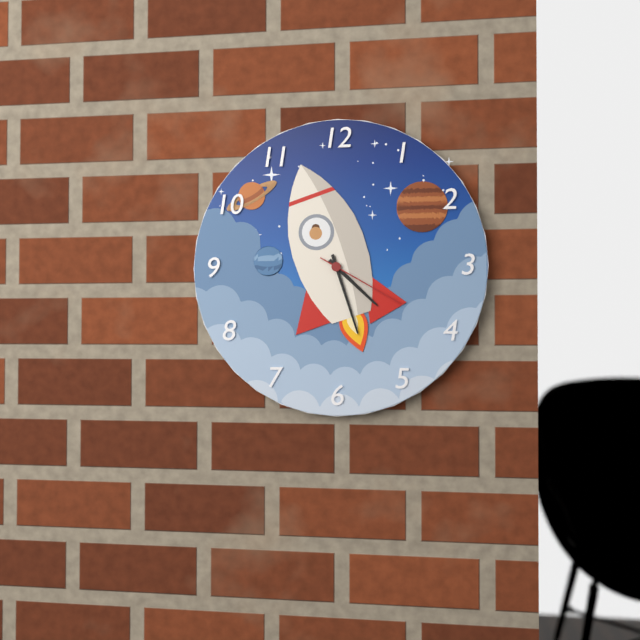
**4:27:20**
